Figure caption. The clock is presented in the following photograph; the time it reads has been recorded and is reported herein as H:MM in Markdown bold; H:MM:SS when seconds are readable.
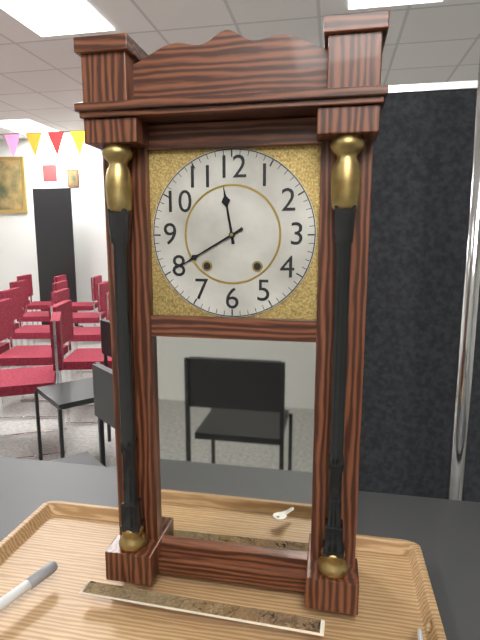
**11:40**
